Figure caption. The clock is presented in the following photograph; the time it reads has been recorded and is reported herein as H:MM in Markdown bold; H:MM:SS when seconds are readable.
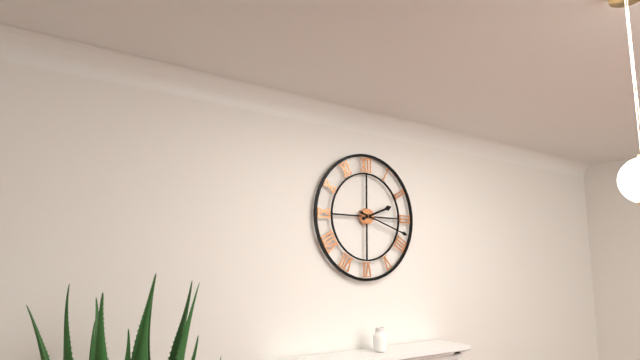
**2:18**
